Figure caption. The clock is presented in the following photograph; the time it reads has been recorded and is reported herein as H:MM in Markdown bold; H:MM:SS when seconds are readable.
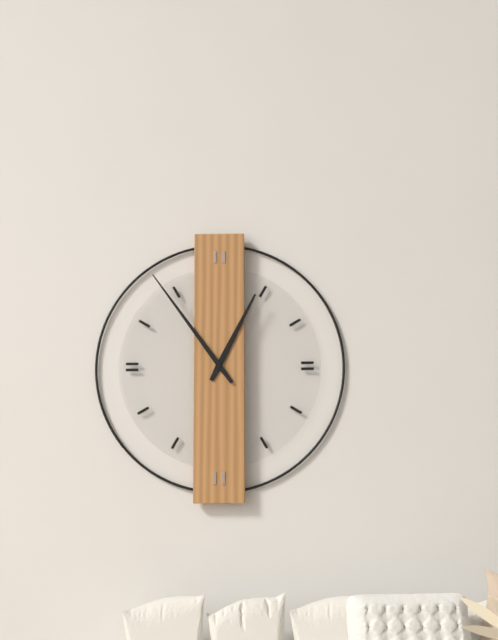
**12:54**
